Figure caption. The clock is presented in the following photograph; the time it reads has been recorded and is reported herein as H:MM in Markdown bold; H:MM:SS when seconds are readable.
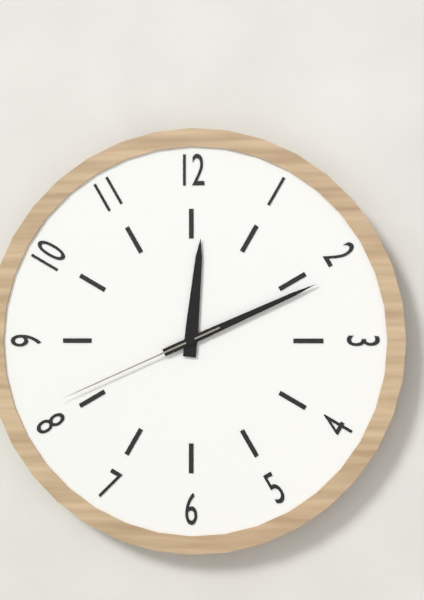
**12:11:41**
